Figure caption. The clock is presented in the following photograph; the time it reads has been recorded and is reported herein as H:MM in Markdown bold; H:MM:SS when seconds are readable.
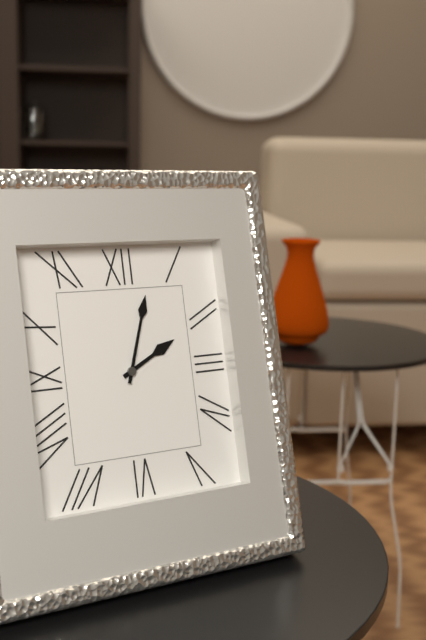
**2:03**
